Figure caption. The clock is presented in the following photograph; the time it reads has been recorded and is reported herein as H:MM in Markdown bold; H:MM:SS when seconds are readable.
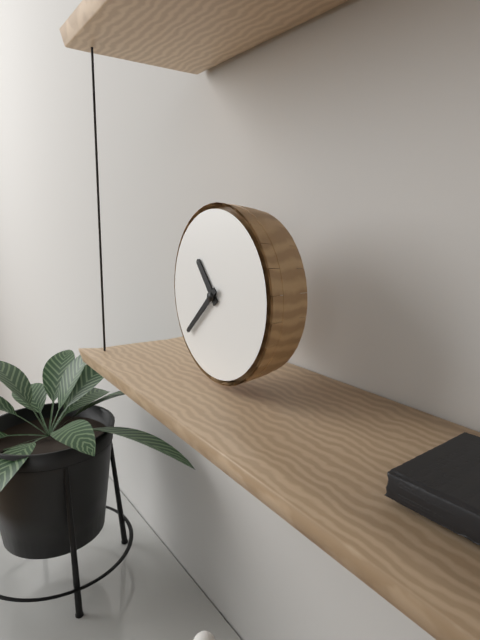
**10:38**
